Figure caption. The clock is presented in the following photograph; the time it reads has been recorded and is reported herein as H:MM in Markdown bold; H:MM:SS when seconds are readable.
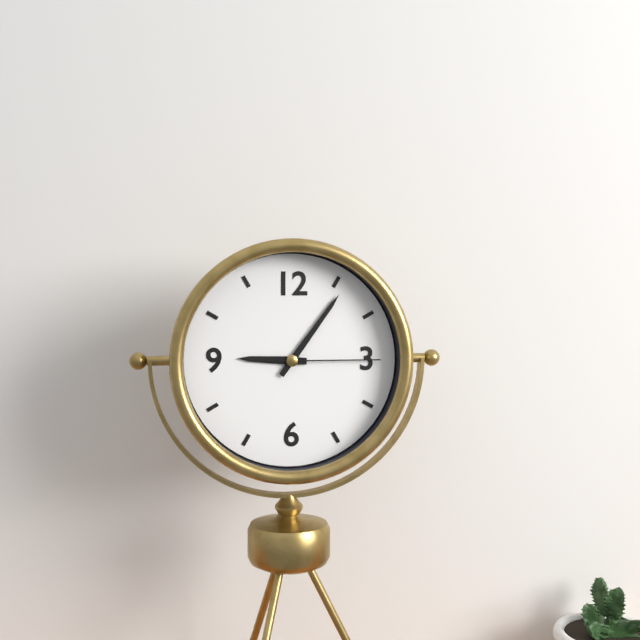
**9:06:15**
